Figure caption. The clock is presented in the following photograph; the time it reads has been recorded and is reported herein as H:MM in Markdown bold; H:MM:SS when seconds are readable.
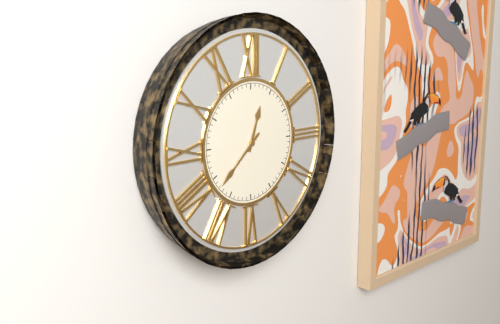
**12:38**
